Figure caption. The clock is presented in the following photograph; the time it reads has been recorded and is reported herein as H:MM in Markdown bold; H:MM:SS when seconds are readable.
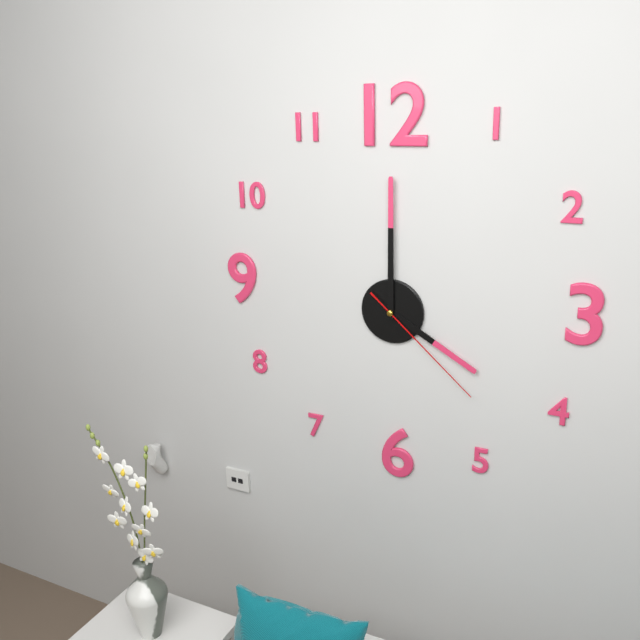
**4:00:22**
